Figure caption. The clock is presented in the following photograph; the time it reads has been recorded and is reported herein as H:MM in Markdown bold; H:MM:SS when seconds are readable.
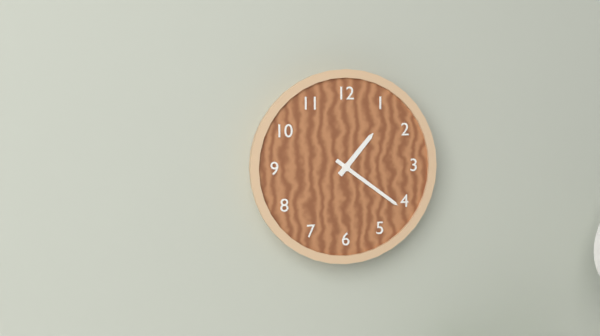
**1:21**
